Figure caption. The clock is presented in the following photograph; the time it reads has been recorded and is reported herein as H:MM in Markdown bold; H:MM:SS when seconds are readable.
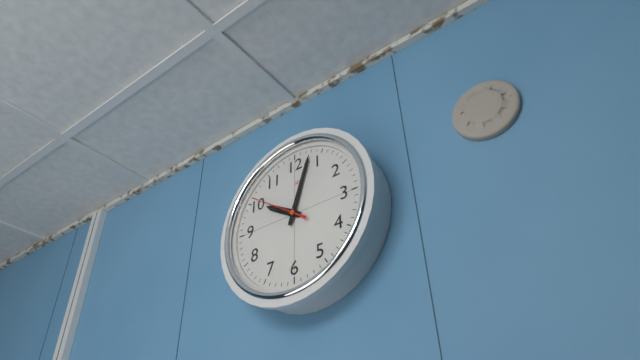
**10:03:51**
